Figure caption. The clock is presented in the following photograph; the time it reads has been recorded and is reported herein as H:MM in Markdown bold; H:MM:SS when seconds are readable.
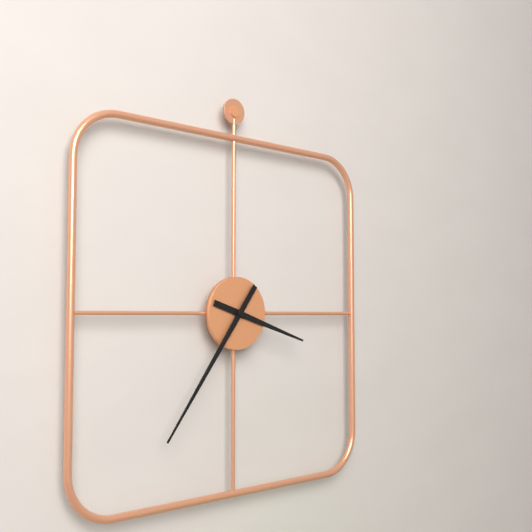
**3:36**
